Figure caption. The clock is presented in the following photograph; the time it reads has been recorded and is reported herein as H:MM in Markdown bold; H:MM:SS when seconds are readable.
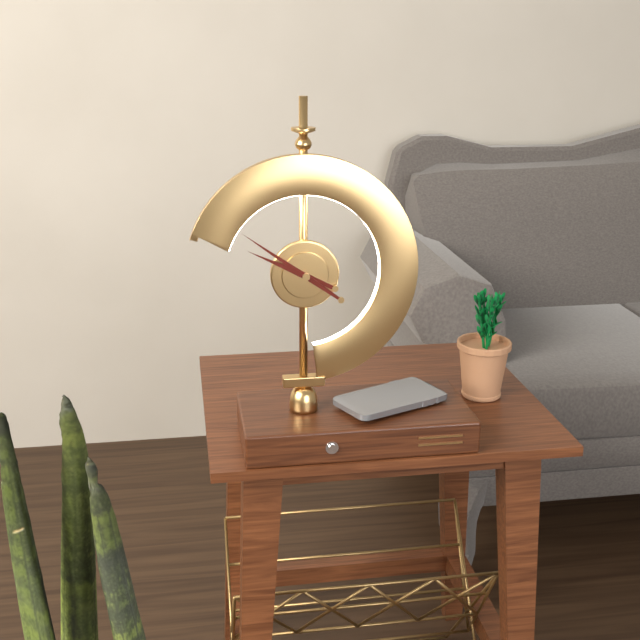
**9:51**
